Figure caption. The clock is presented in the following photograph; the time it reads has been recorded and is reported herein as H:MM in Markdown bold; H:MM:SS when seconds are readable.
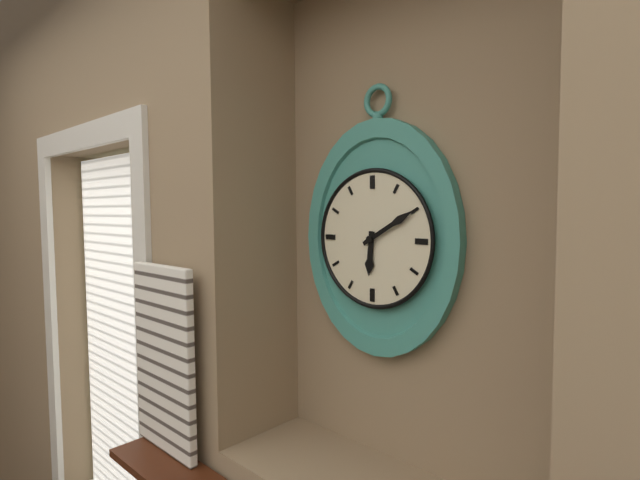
**6:10**
